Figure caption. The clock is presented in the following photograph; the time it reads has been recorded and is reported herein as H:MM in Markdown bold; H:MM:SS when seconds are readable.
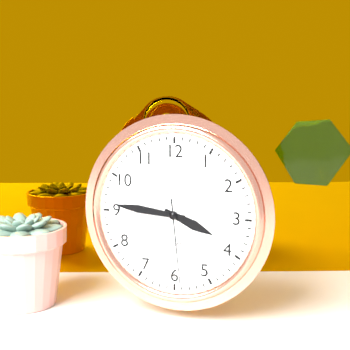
**3:46:29**
